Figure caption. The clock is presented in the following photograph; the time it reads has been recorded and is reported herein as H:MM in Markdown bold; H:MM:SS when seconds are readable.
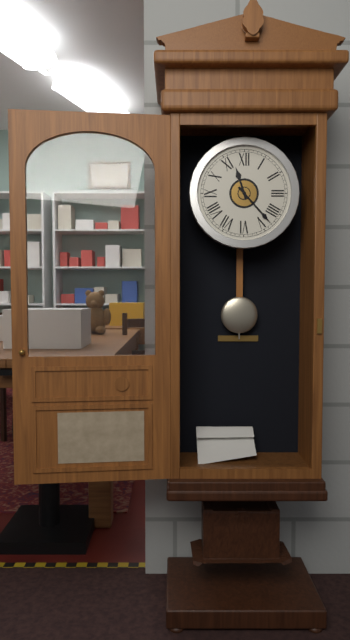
**11:23**
